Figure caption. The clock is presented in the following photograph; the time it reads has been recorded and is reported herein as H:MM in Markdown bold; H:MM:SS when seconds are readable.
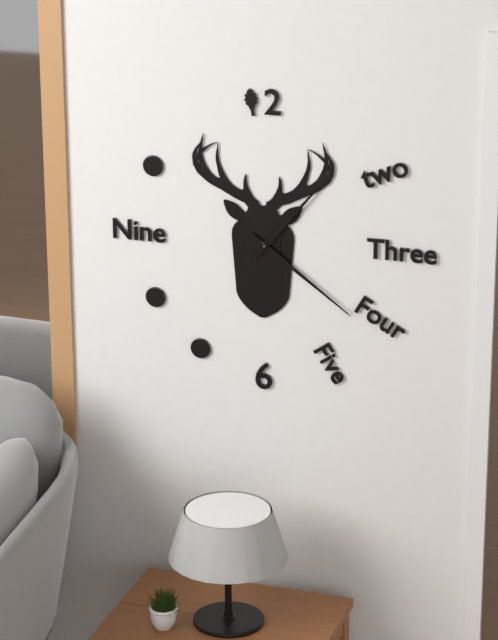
**1:21**
